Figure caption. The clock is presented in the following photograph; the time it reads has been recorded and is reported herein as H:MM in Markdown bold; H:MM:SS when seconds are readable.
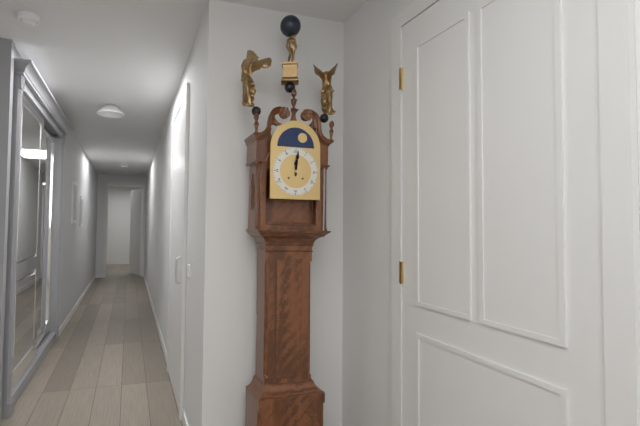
**12:01**
